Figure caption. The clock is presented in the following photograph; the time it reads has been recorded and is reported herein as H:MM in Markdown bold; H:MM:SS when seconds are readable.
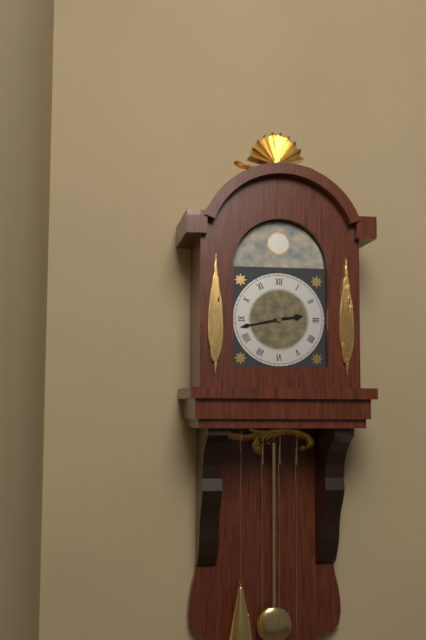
**2:43**
